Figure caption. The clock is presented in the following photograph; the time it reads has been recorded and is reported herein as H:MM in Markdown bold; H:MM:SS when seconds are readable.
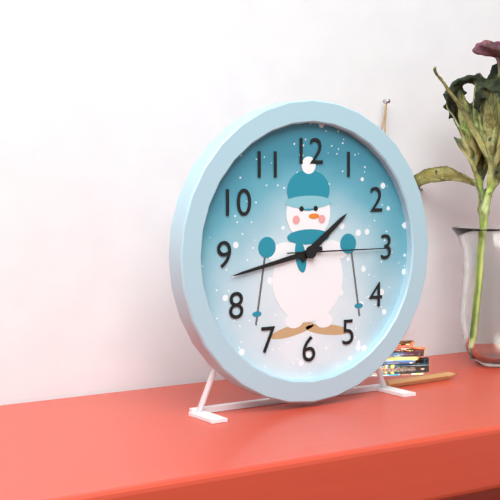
**1:43:15**
